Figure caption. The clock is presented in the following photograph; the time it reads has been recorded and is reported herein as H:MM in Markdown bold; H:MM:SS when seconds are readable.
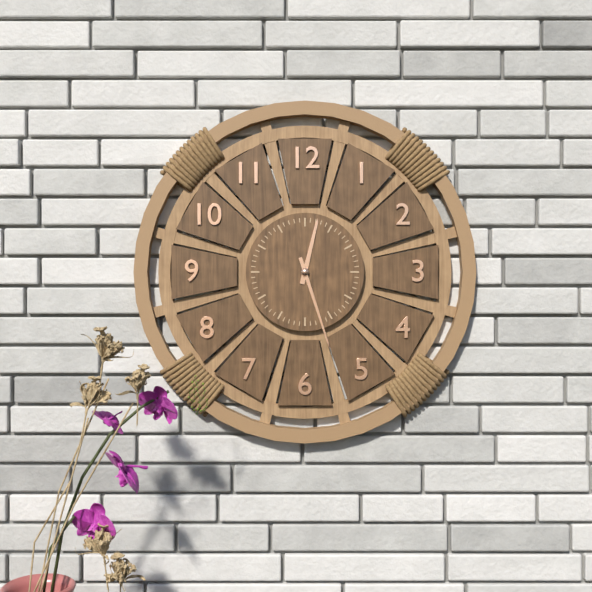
**12:27**
